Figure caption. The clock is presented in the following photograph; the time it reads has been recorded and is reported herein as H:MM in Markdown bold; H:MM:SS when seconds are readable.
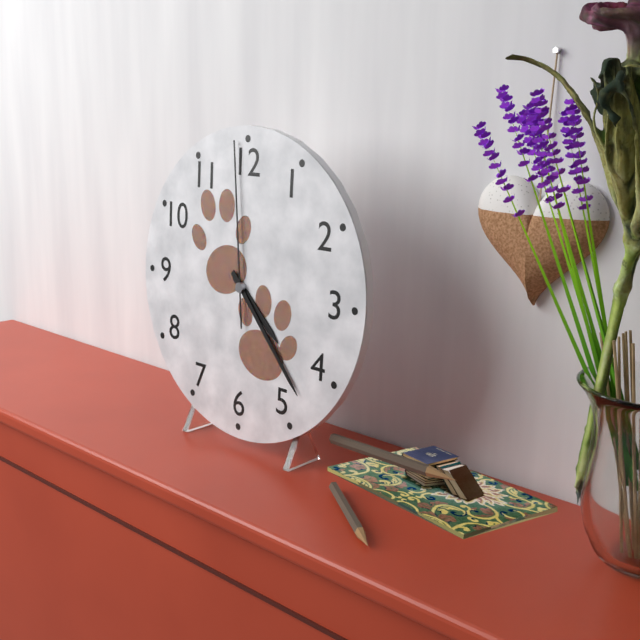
**4:23:59**
